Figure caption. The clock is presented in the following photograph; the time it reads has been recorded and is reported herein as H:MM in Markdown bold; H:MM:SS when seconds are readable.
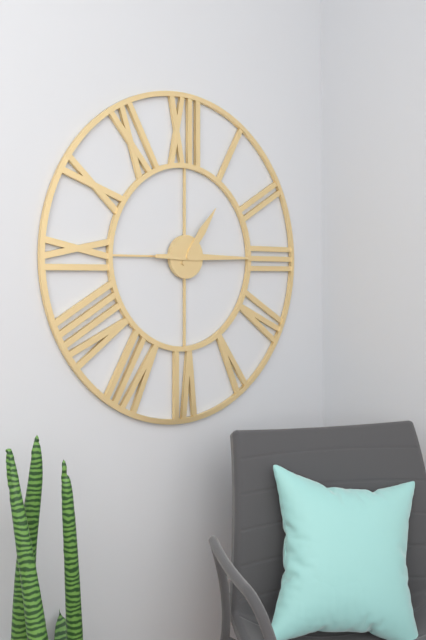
**1:15**
